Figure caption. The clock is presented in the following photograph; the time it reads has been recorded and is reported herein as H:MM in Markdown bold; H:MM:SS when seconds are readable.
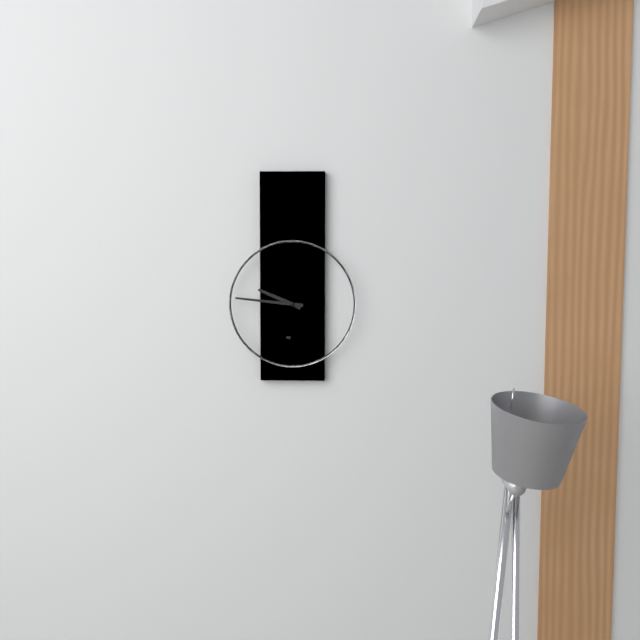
**9:46**
